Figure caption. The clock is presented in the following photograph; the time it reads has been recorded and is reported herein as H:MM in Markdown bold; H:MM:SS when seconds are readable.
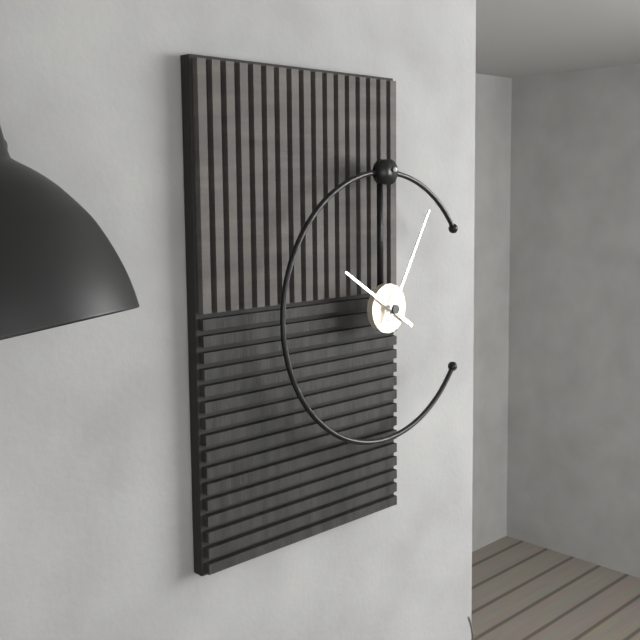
**10:05**
